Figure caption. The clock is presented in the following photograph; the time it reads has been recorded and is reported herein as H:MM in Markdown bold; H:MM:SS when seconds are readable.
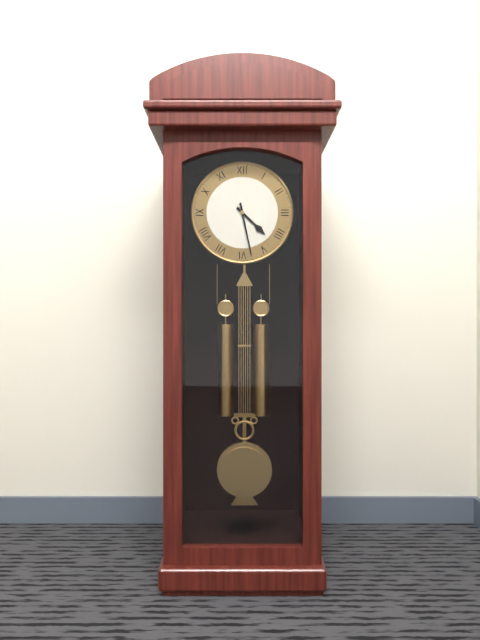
**4:28**
